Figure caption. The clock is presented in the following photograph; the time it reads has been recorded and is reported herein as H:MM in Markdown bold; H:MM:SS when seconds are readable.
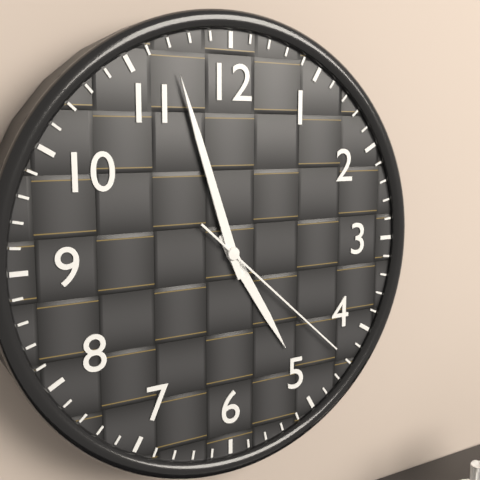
**4:57:22**
